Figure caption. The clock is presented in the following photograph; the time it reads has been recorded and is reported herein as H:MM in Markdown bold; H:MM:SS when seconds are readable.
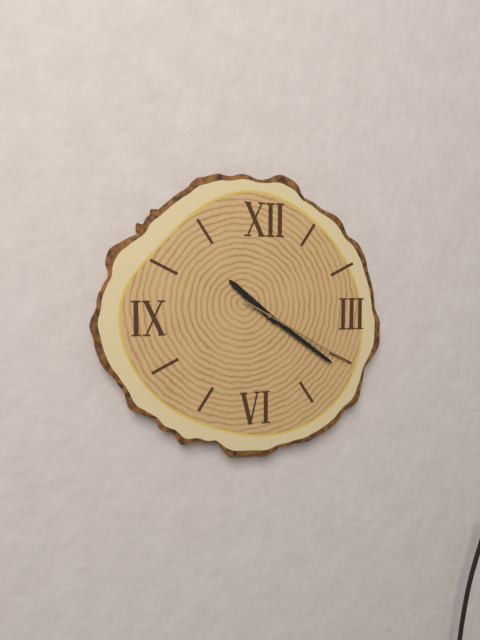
**10:21:20**
